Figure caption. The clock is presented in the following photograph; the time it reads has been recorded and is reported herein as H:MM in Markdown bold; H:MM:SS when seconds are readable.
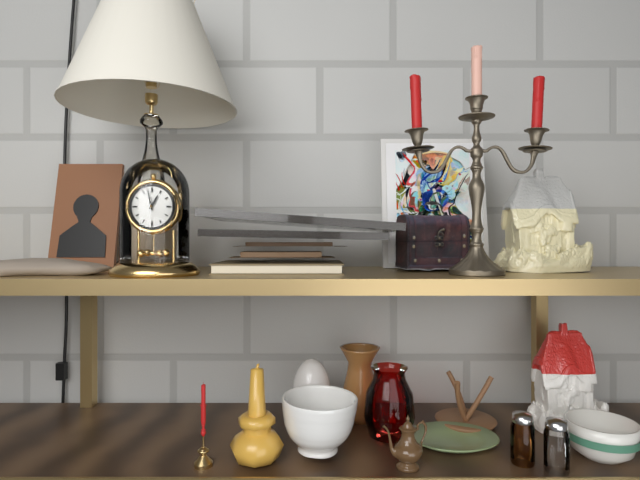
**12:58**
